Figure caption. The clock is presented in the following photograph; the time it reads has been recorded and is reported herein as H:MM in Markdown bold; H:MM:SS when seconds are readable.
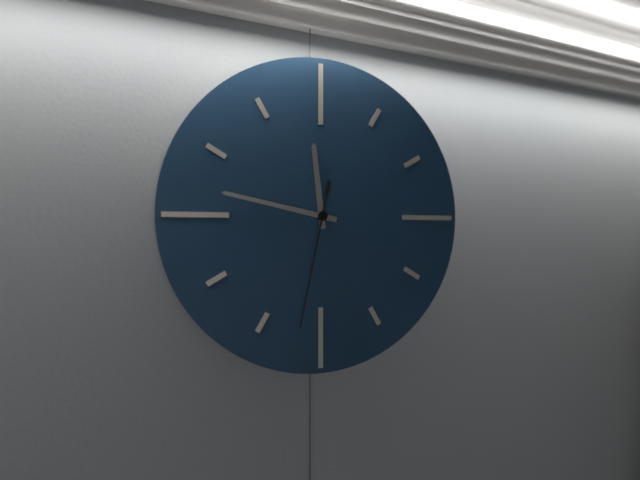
**11:47:32**
